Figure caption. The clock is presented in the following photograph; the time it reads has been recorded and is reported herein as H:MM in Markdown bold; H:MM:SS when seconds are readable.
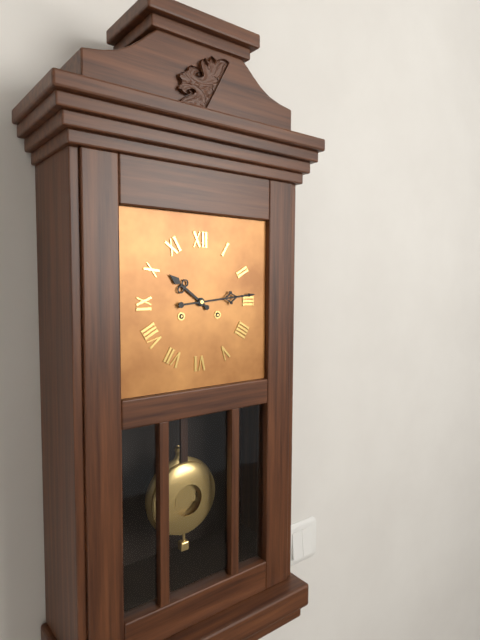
**10:14**
